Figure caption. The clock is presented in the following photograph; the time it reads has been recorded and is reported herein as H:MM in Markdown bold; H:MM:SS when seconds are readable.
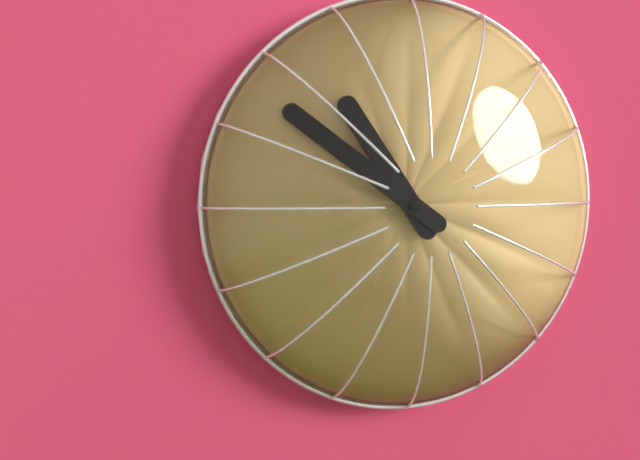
**10:51**
